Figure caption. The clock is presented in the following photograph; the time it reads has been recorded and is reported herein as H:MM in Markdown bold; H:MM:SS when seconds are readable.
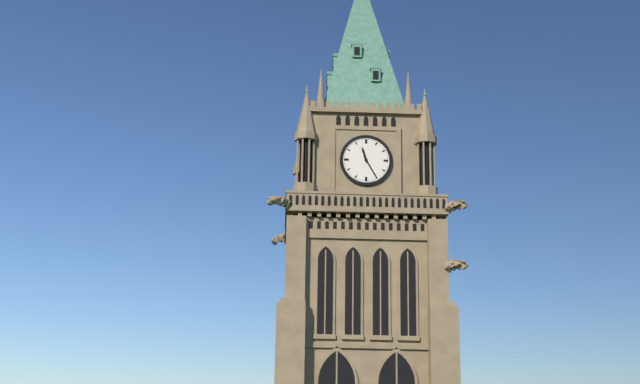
**11:25**
